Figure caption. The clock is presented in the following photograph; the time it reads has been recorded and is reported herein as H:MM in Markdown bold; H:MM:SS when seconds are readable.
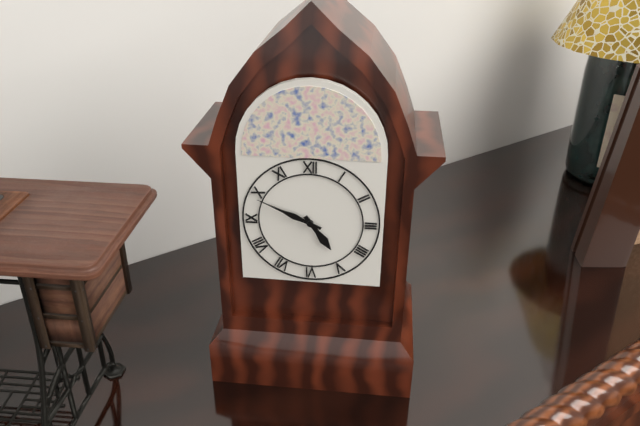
**4:49**
